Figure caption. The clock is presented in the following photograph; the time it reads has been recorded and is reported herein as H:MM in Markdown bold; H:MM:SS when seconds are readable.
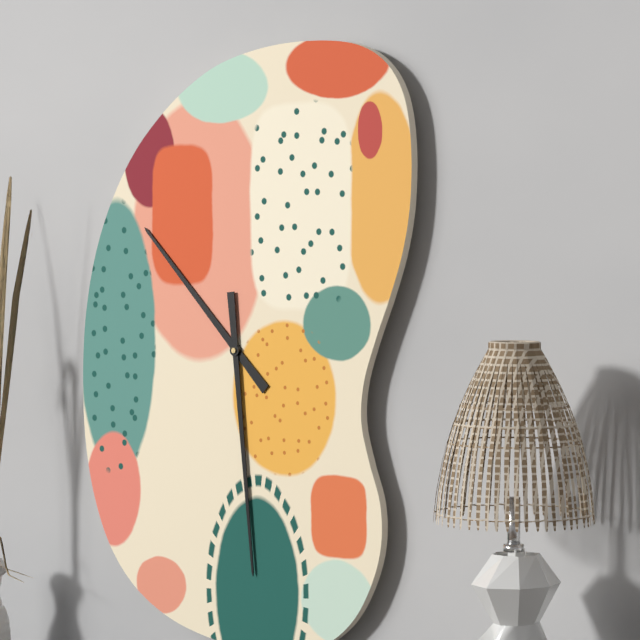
**10:29**
